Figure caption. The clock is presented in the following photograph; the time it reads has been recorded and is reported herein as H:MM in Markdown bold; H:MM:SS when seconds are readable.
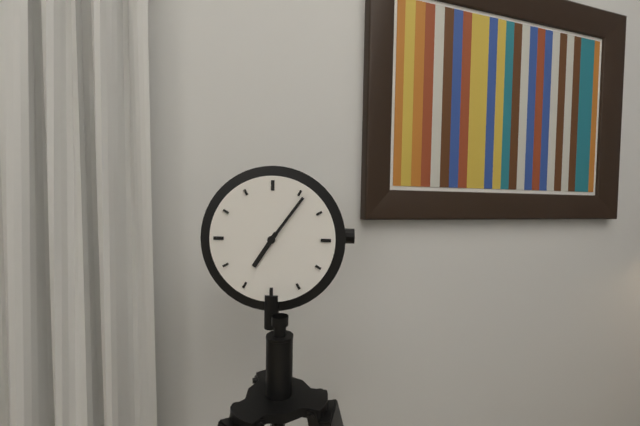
**7:06**
